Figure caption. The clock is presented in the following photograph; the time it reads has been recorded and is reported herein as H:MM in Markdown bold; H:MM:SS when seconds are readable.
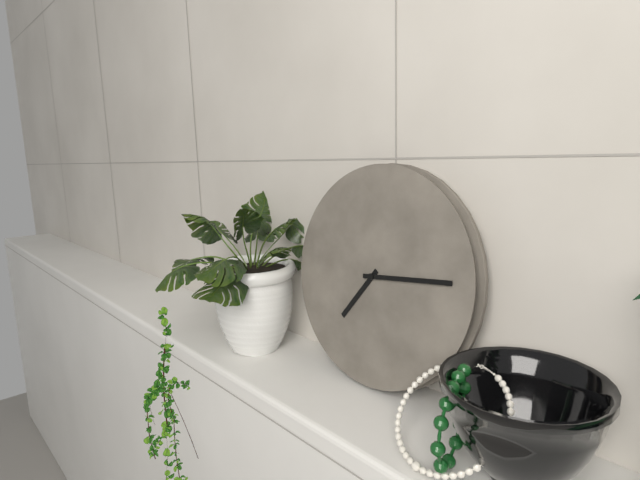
**7:14**
